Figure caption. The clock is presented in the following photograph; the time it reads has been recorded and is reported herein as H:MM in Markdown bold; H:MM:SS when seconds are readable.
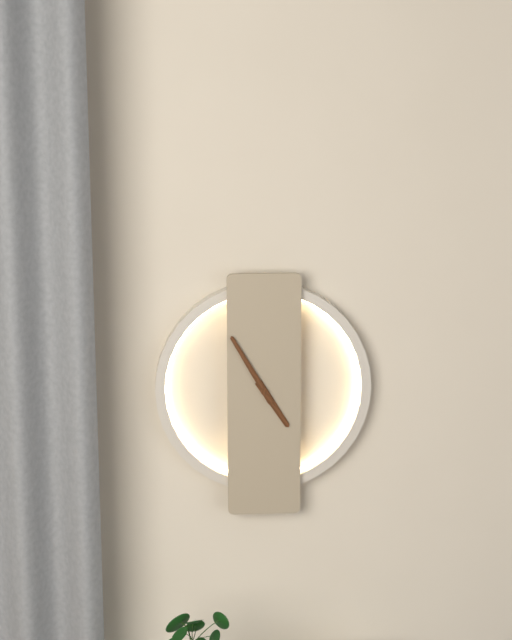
**4:55**
